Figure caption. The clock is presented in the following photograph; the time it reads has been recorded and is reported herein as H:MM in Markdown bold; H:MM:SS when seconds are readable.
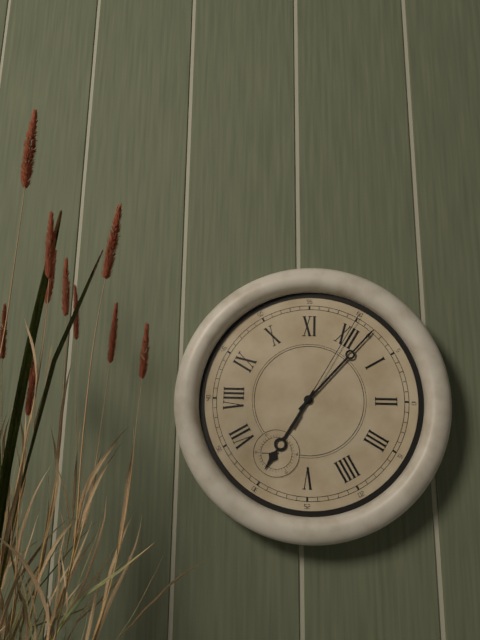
**6:02:00**
